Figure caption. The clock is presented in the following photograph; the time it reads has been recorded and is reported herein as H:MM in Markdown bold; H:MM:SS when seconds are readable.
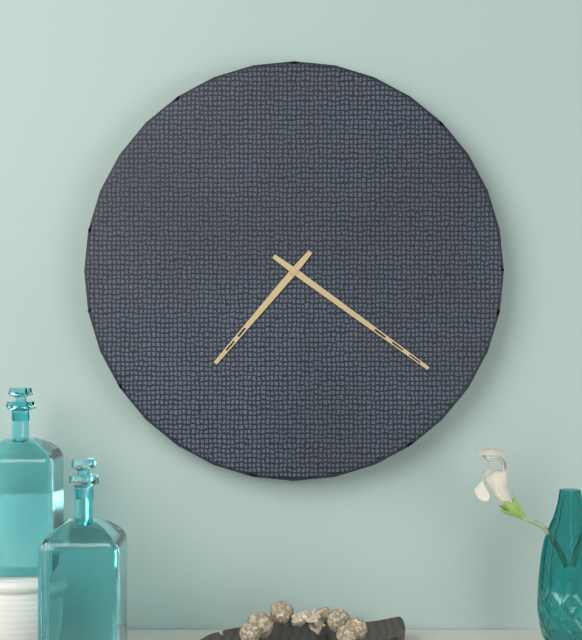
**7:21**
